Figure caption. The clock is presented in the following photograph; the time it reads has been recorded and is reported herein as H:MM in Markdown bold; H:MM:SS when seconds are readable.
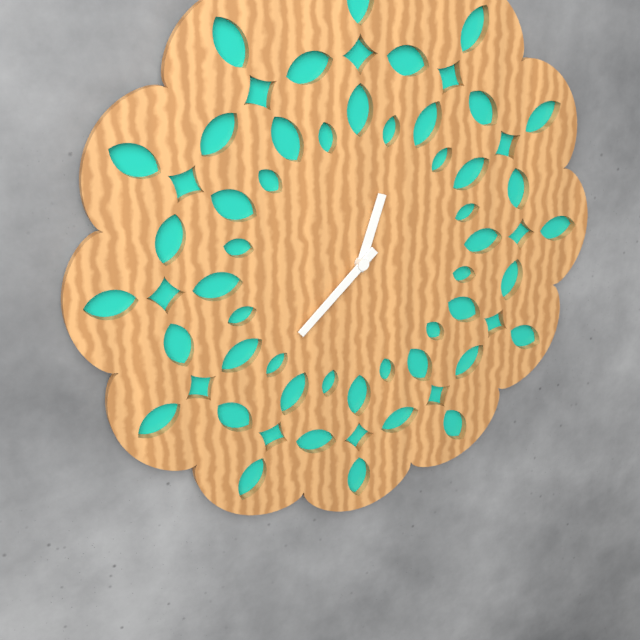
**12:38**
